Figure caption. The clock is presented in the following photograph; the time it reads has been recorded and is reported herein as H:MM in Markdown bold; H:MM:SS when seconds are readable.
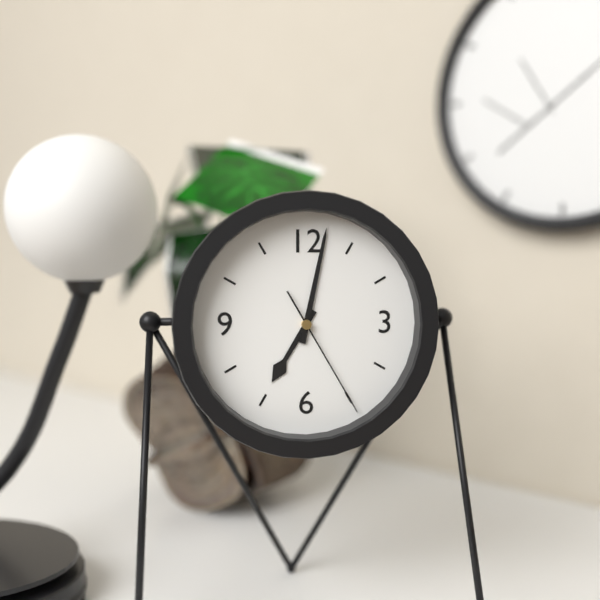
**7:02:25**
